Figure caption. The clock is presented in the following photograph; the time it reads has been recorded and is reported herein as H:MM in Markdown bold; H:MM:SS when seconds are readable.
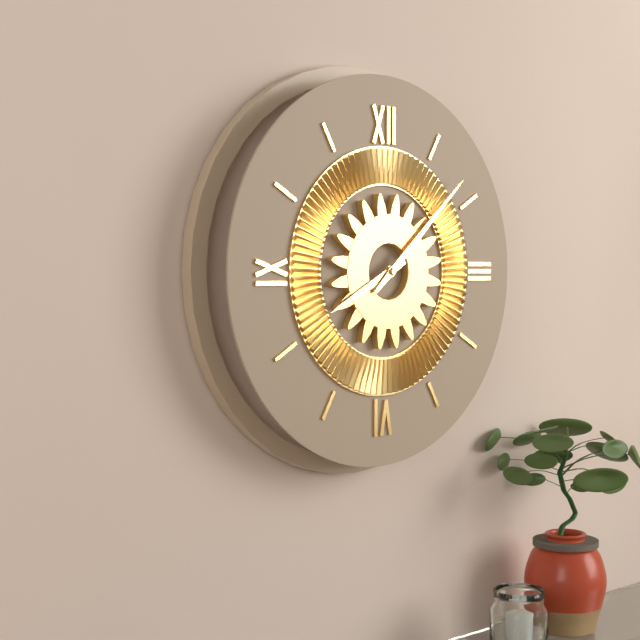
**8:08**
